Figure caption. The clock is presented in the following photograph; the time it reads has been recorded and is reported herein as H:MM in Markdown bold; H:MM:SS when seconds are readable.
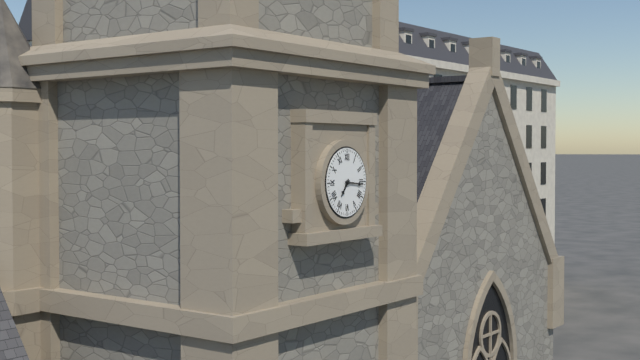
**7:16**
